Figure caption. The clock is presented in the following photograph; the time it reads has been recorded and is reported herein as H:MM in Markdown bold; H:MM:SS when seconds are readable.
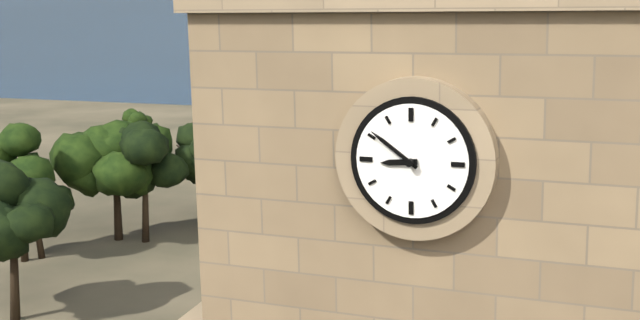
**8:51**
